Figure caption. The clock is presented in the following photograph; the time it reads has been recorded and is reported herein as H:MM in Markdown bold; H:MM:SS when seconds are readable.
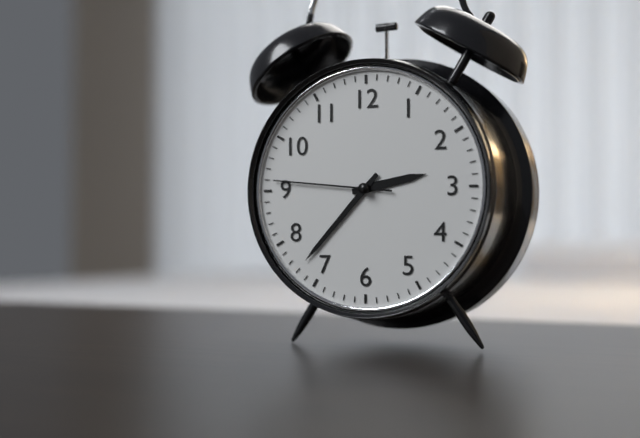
**2:37:46**
